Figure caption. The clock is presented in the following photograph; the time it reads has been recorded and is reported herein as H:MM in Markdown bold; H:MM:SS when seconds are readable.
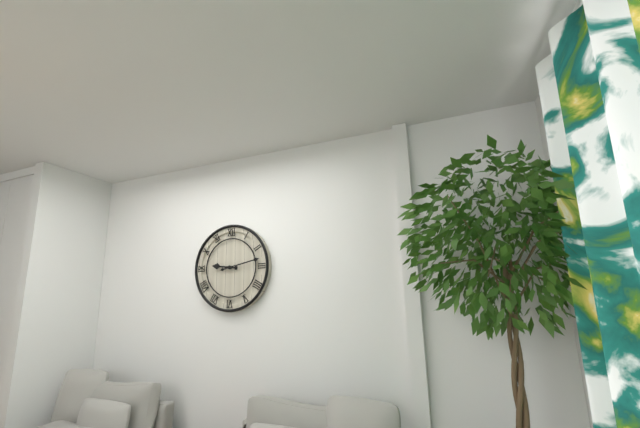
**9:13**
